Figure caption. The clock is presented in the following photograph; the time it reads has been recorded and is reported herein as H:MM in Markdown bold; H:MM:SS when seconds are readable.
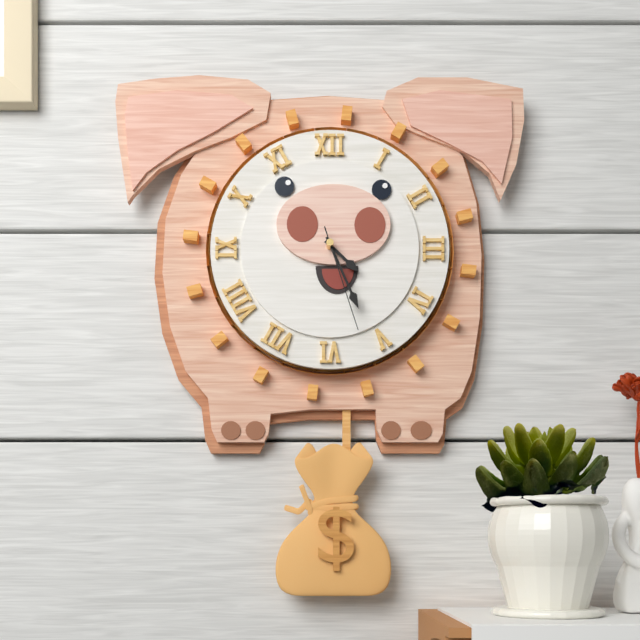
**4:26:27**
